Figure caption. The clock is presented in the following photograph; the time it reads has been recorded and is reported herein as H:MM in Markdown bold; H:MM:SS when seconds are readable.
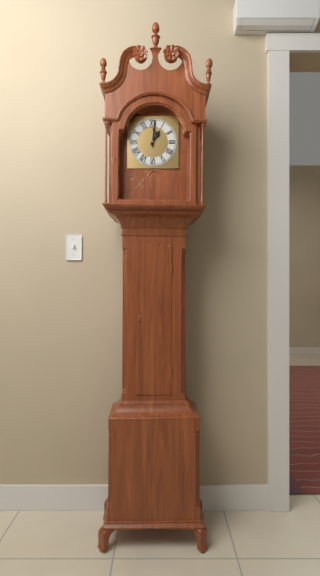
**1:01**
